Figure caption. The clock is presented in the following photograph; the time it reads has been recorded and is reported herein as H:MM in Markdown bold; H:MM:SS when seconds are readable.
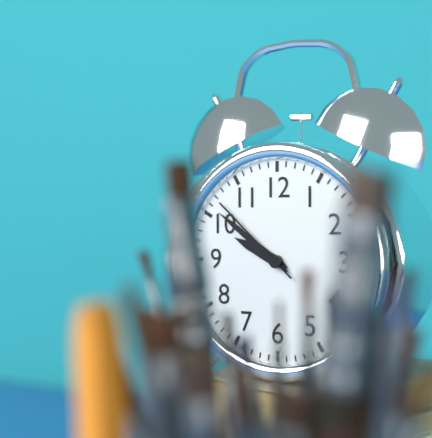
**9:51:52**
